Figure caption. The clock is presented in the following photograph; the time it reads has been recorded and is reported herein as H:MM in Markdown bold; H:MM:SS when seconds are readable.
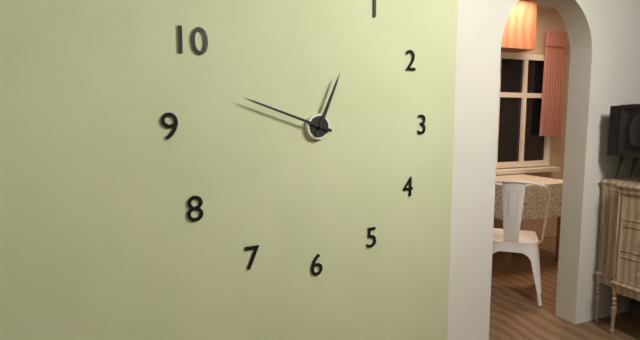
**12:48**
